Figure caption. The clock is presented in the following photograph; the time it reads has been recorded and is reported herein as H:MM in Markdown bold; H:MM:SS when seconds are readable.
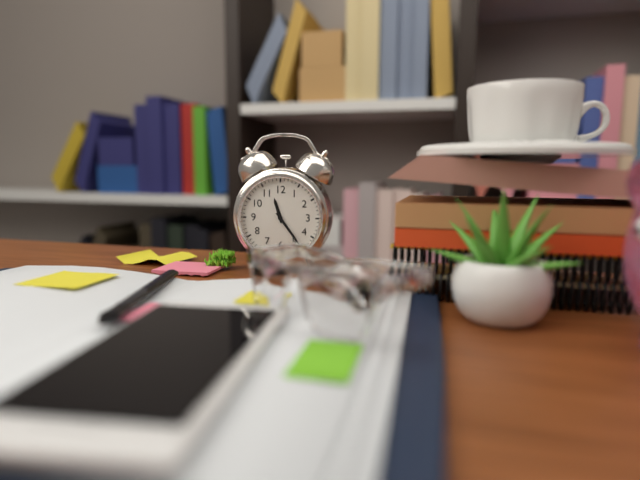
**11:24**
